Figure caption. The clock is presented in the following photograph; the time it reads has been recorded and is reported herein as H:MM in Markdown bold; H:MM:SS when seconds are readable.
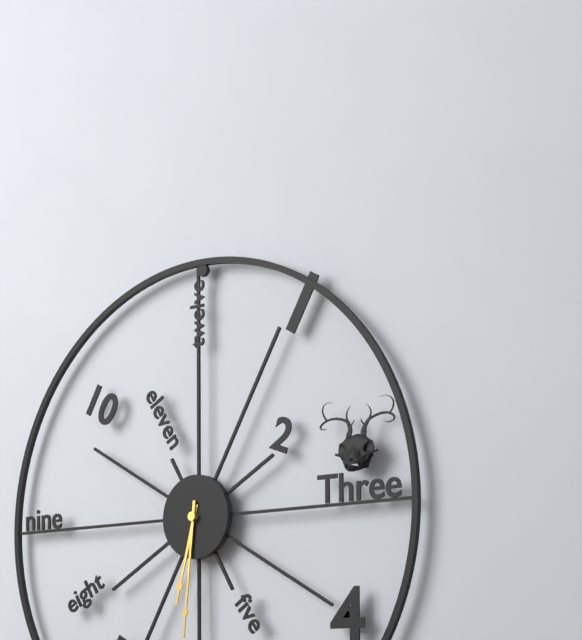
**6:31**
